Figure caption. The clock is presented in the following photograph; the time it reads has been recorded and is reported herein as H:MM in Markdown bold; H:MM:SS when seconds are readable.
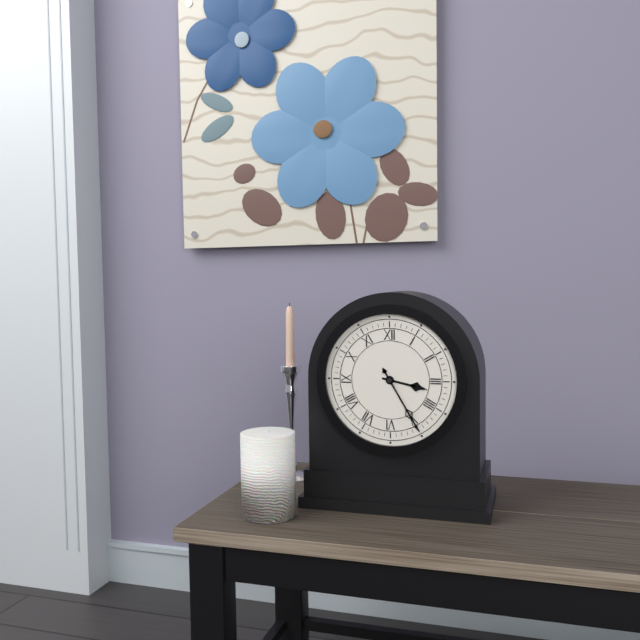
**3:25**
